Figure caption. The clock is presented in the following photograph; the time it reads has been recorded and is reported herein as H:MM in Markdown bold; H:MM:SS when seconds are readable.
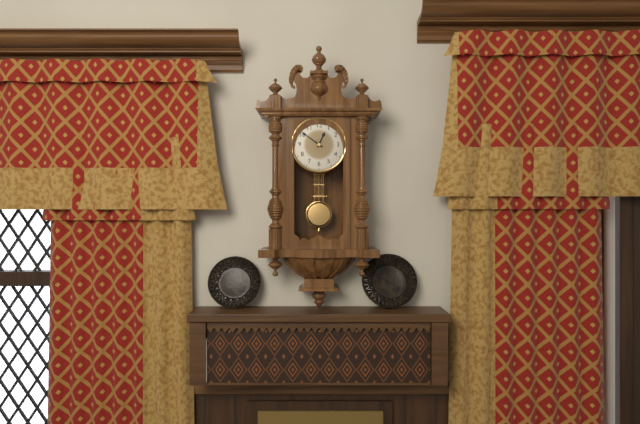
**12:51**
